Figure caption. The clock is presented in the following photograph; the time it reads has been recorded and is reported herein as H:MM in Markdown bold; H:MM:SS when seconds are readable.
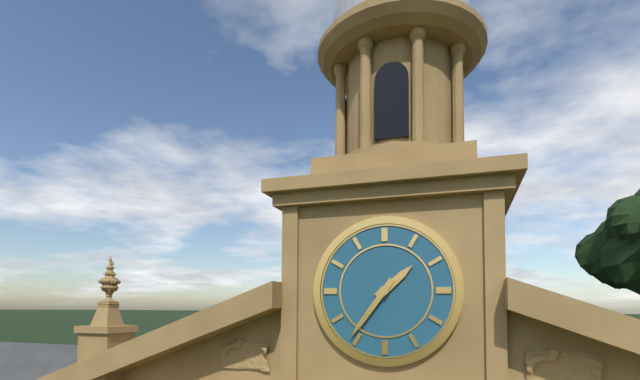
**1:36**
